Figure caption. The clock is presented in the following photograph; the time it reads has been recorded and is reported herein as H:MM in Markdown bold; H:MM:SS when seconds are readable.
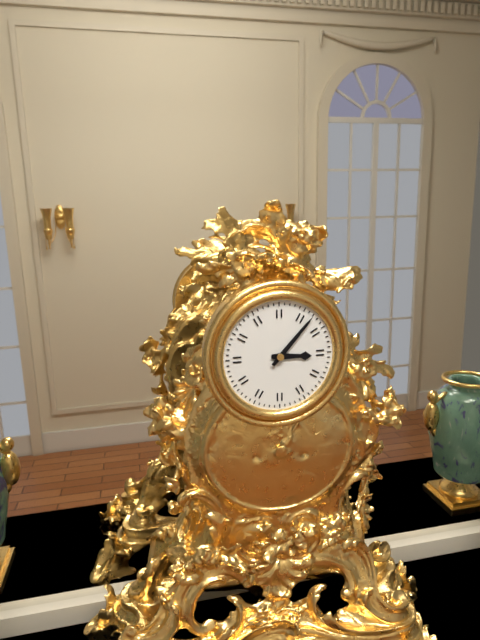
**3:07**
